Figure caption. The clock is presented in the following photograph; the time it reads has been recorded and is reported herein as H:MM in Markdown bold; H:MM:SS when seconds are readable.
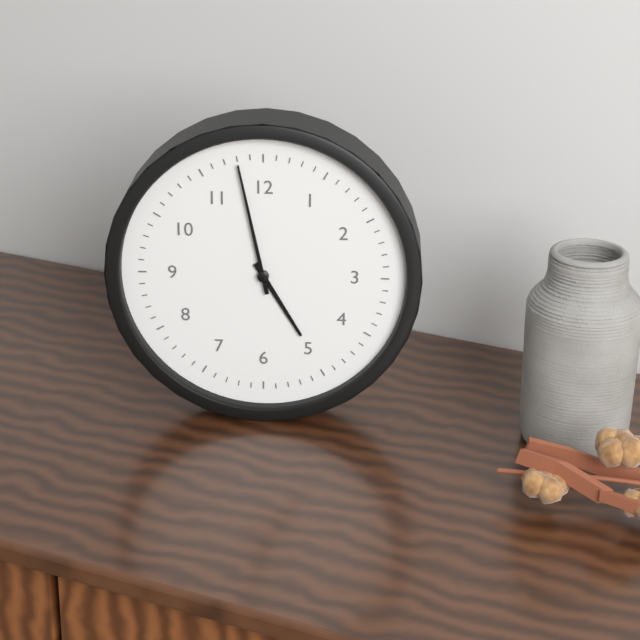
**4:58**
